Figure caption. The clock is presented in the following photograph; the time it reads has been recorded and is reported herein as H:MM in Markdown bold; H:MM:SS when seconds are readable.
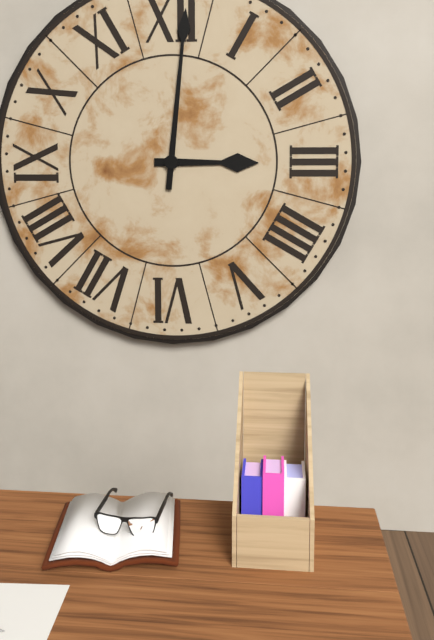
**3:01**
